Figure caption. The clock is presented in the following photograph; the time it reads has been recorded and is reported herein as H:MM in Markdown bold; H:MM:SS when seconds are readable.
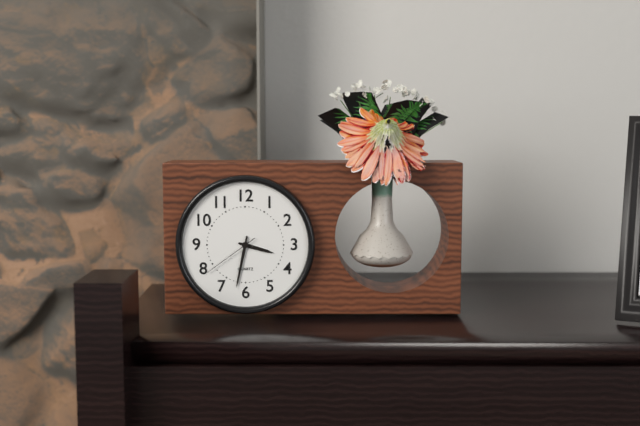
**3:32:39**
